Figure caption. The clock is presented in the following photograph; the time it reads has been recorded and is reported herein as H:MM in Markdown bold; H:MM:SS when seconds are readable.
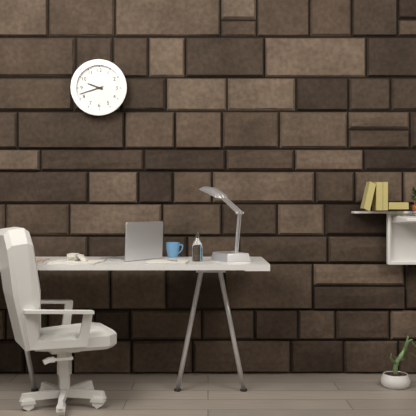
**9:42**
